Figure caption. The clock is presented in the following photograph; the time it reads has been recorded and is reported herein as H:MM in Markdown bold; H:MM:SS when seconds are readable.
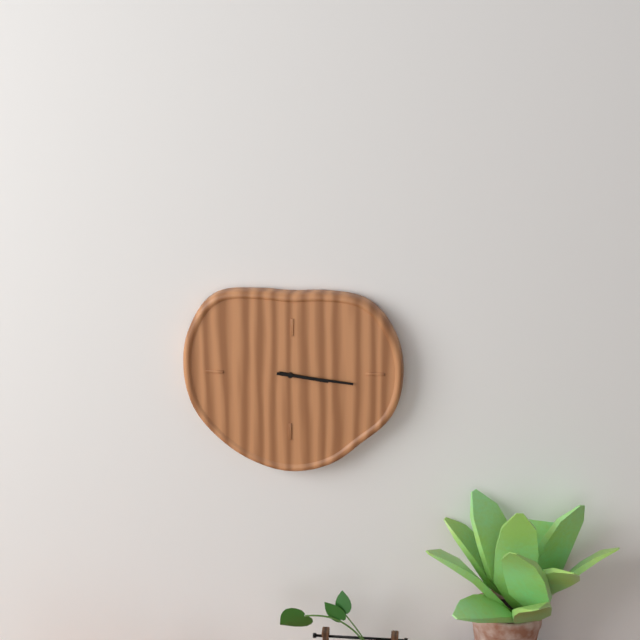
**3:16**
